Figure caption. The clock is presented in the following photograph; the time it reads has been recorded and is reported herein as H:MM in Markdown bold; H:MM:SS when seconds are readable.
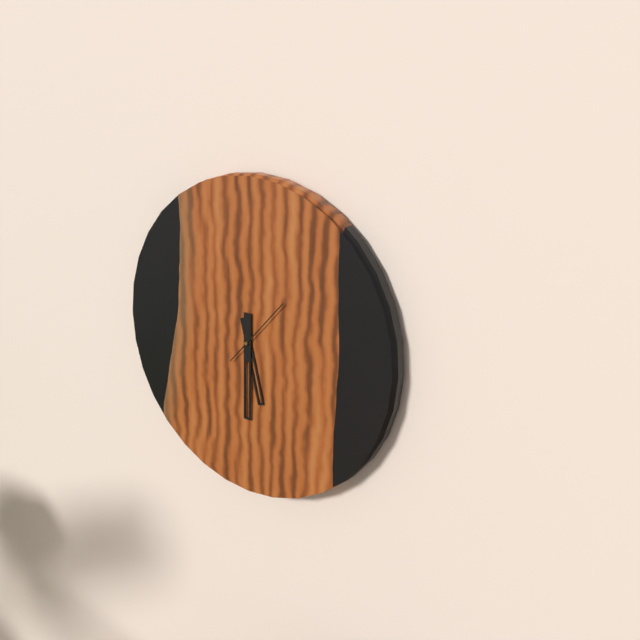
**5:30:07**
